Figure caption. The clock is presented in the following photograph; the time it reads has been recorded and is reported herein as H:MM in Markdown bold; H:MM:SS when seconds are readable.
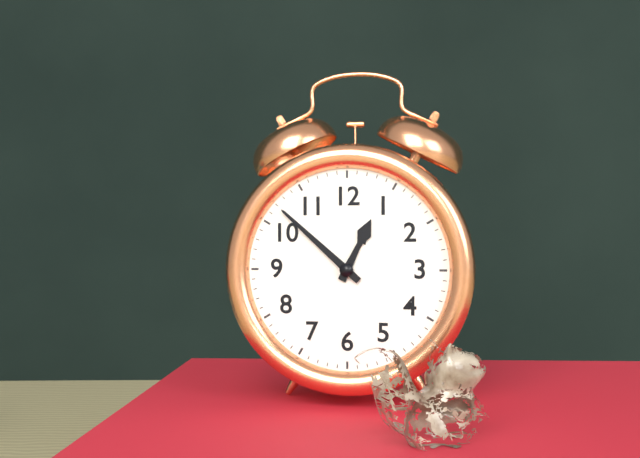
**12:52**
